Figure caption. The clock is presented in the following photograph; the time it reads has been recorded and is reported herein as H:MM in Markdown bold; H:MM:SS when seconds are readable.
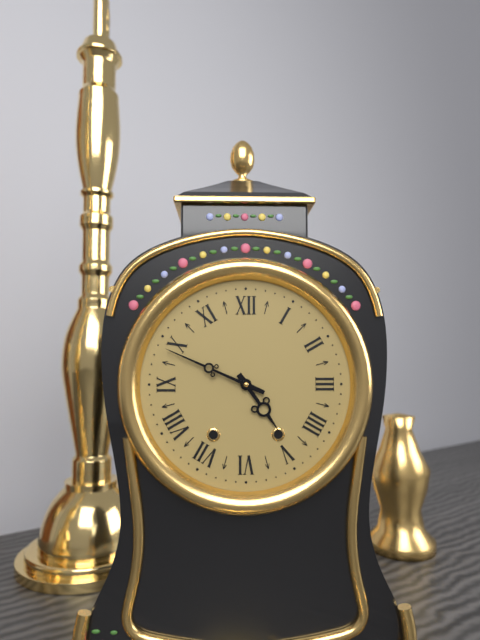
**4:49**
